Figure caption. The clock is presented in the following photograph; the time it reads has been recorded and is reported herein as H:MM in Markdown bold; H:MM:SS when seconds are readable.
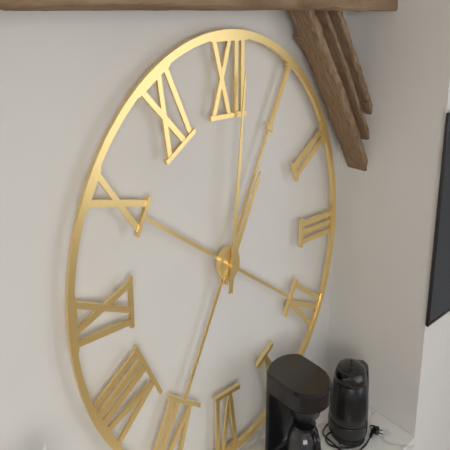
**1:01**
